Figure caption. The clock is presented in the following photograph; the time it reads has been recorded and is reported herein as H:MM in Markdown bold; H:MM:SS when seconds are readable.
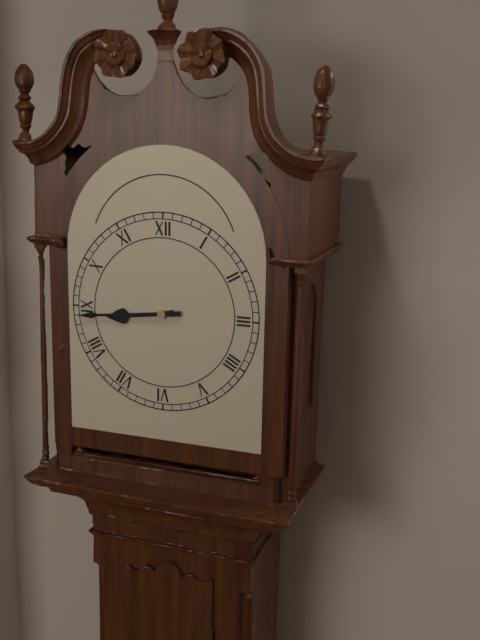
**8:44**
